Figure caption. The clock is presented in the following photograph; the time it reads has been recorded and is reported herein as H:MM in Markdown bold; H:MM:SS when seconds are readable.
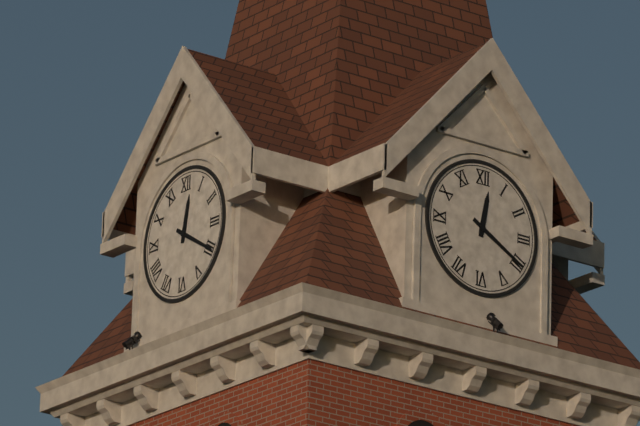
**12:20**
